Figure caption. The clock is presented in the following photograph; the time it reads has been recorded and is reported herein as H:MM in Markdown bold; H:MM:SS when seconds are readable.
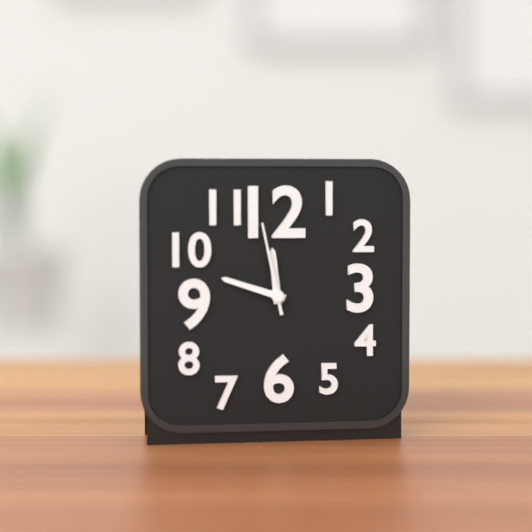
**11:48:58**
